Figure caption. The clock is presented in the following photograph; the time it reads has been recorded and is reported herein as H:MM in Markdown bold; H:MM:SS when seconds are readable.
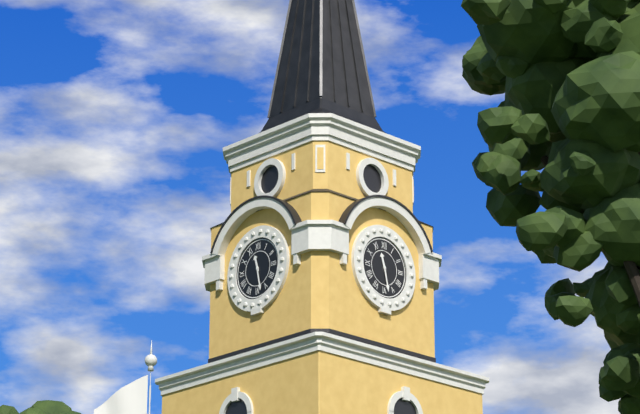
**11:28**
